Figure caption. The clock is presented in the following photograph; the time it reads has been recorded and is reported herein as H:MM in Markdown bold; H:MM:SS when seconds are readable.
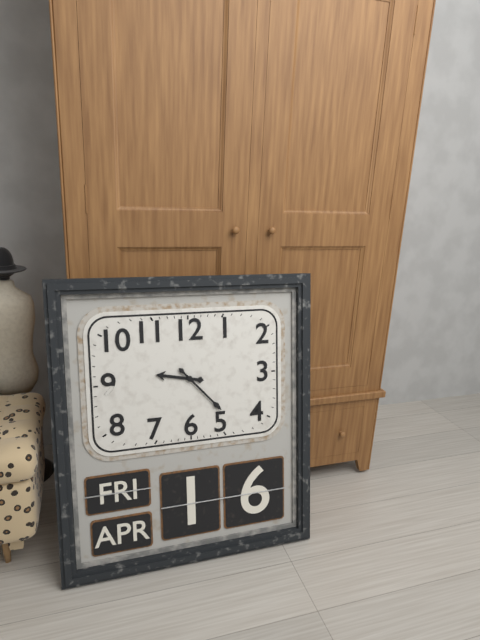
**9:23**
